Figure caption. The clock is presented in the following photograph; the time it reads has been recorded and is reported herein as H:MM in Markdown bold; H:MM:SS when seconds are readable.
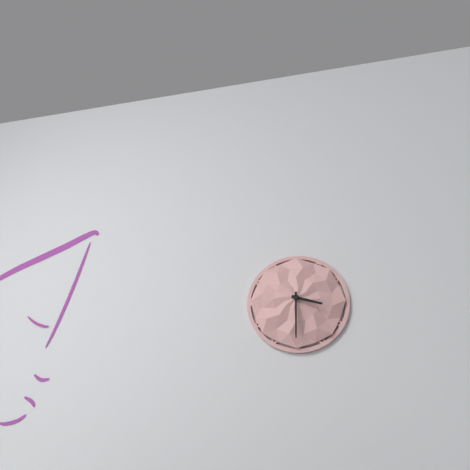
**3:30**
